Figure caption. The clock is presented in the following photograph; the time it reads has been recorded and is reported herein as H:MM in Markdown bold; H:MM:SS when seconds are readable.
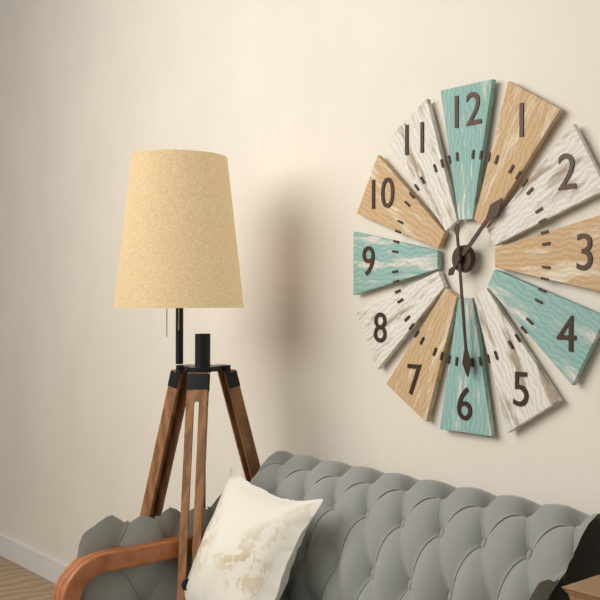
**1:29**
